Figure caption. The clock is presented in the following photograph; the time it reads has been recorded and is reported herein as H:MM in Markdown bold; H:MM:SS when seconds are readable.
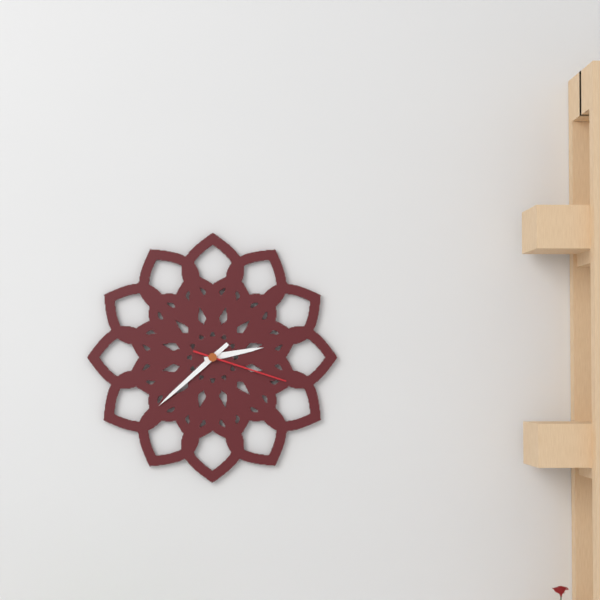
**2:38:18**
